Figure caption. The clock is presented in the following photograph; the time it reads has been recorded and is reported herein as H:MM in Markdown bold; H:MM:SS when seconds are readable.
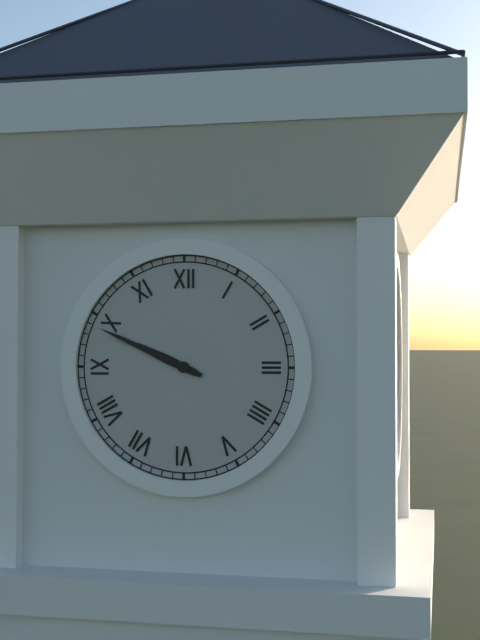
**9:49**
